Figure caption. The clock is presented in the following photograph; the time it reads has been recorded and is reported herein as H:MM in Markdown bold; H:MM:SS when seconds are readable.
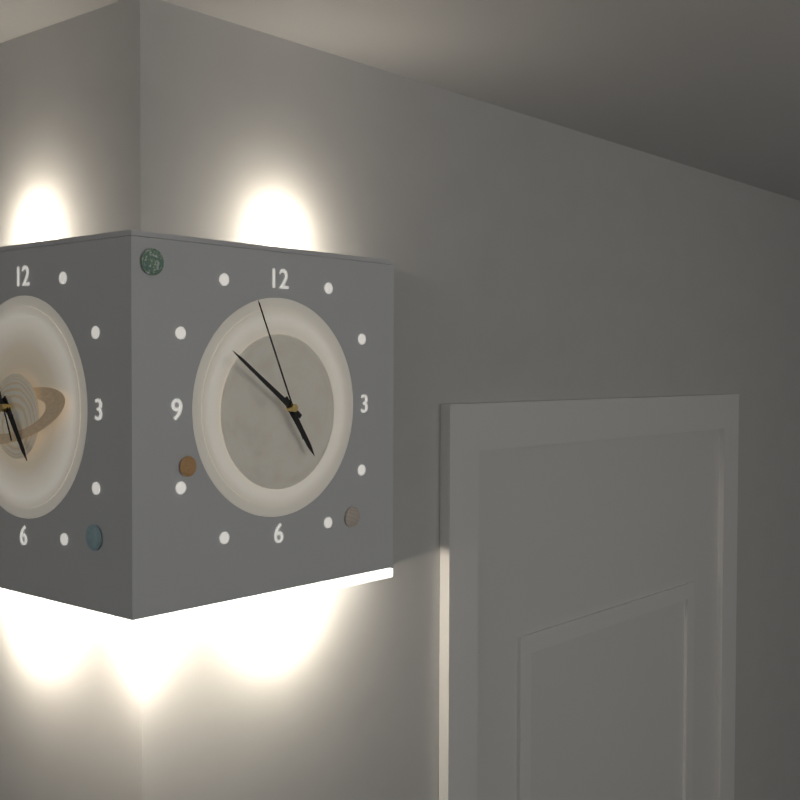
**4:51:56**
